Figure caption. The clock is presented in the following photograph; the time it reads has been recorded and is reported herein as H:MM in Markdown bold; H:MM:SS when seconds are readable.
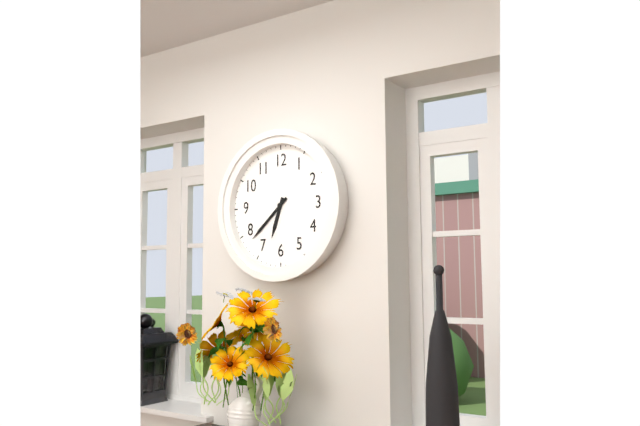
**6:38**
